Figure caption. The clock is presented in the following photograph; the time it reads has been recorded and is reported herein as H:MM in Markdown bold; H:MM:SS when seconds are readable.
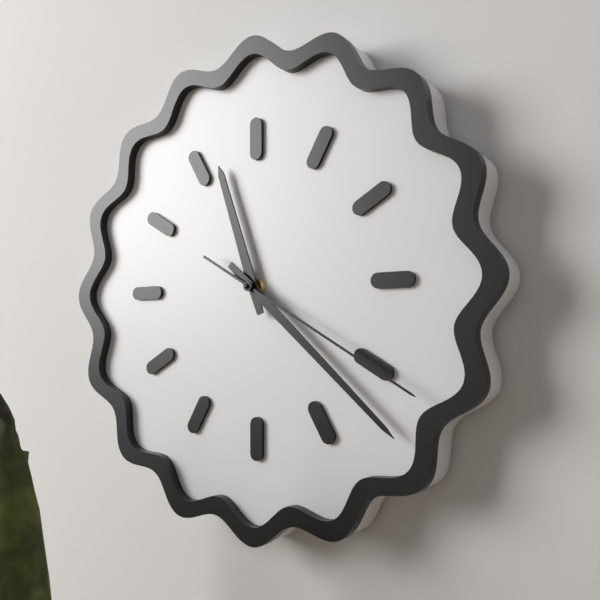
**11:22:20**
